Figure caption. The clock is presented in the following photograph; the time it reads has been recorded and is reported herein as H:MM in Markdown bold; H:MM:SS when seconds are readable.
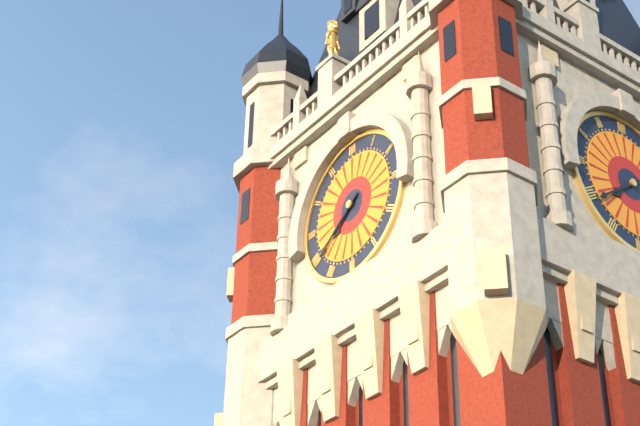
**7:39**
